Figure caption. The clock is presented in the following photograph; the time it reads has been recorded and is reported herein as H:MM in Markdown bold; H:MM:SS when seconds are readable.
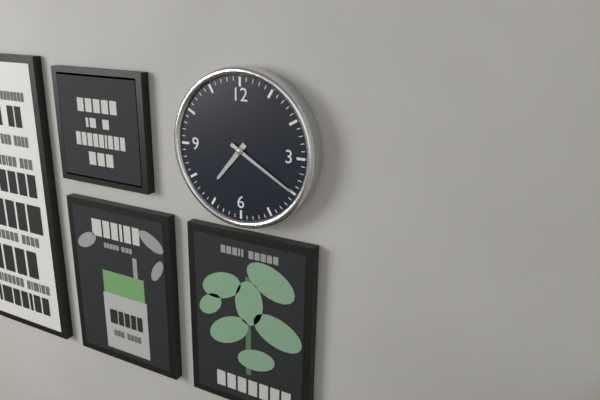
**7:20**
